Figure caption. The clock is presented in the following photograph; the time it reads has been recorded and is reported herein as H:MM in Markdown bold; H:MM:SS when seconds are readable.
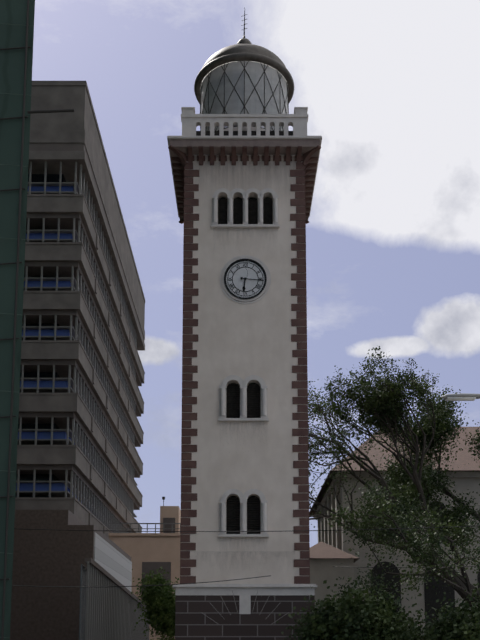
**6:16**
